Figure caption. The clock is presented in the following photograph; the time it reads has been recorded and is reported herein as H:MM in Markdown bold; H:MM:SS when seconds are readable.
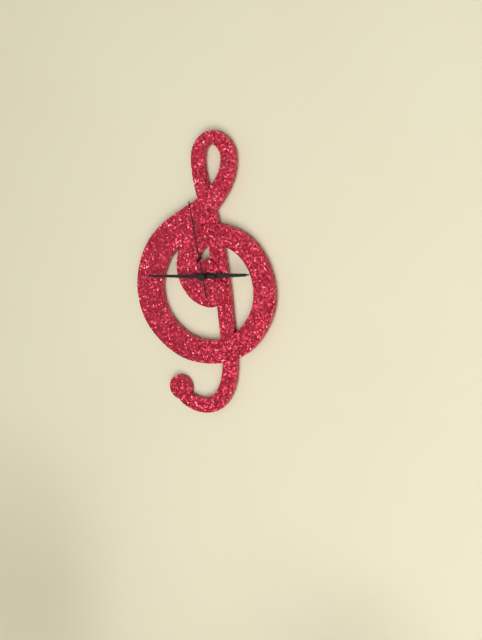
**2:44:58**
